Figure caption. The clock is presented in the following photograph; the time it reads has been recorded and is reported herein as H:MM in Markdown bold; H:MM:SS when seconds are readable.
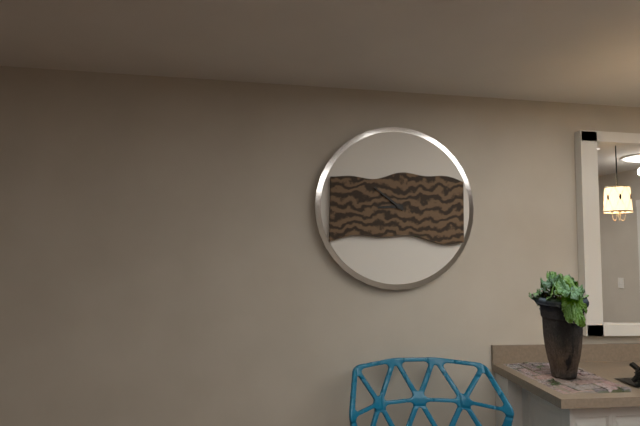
**8:51**
